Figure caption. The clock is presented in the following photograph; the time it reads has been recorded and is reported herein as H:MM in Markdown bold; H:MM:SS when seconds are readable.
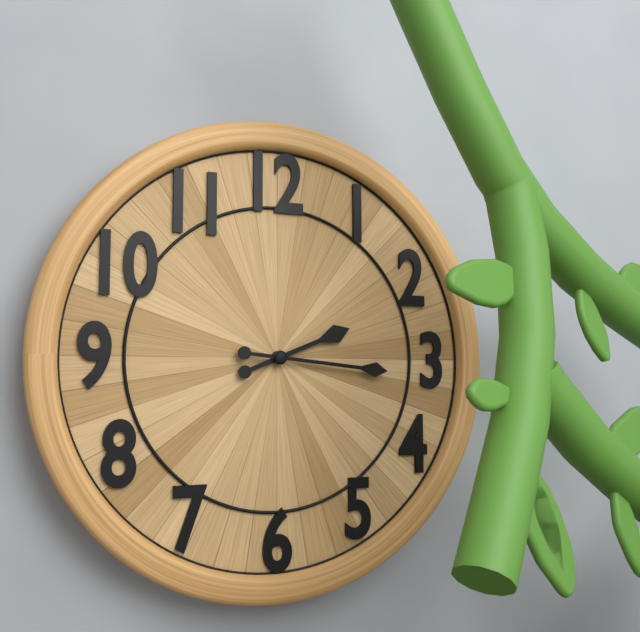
**2:16**
